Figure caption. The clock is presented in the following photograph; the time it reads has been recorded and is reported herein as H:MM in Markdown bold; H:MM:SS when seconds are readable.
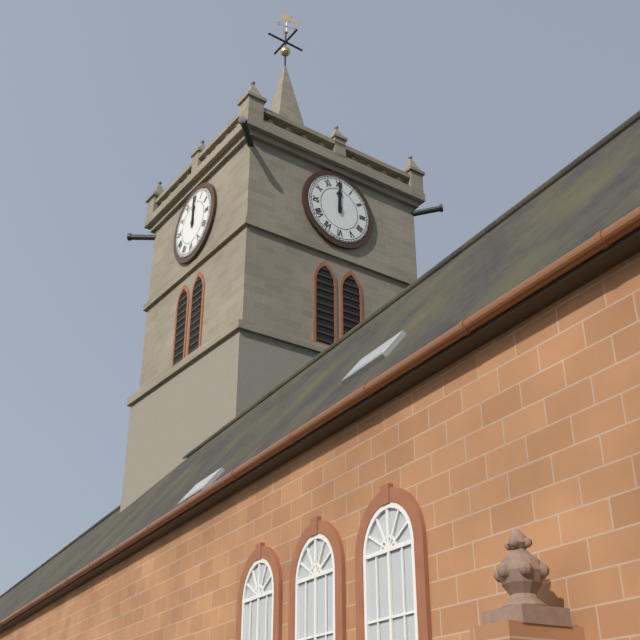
**12:00**
